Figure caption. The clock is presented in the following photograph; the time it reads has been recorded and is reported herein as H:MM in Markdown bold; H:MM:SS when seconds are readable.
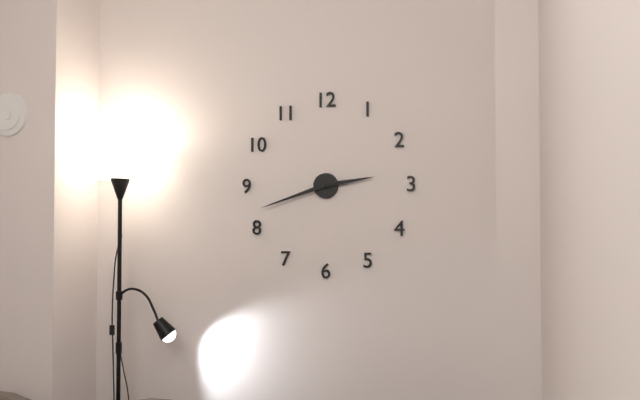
**2:42**
